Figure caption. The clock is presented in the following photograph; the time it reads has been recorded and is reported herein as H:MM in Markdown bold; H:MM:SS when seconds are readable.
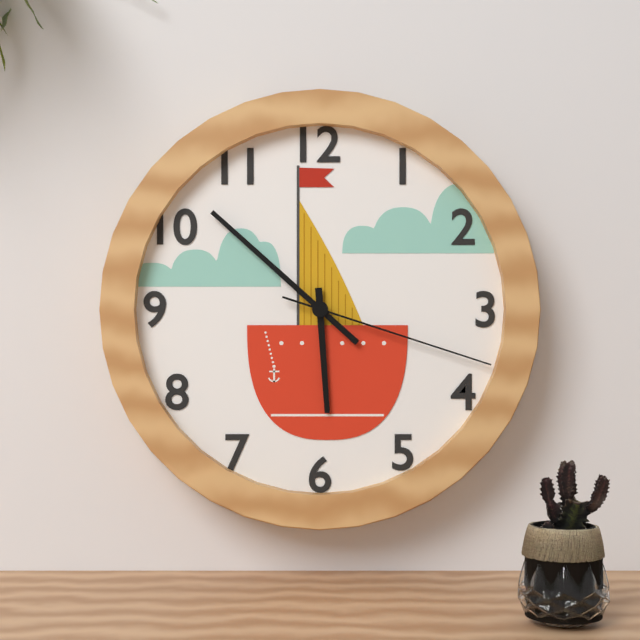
**5:52:18**
